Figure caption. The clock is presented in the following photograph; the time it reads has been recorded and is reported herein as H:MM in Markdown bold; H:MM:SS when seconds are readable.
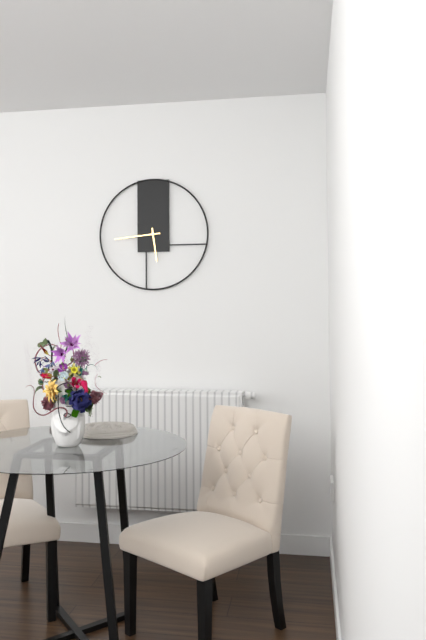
**5:44**
